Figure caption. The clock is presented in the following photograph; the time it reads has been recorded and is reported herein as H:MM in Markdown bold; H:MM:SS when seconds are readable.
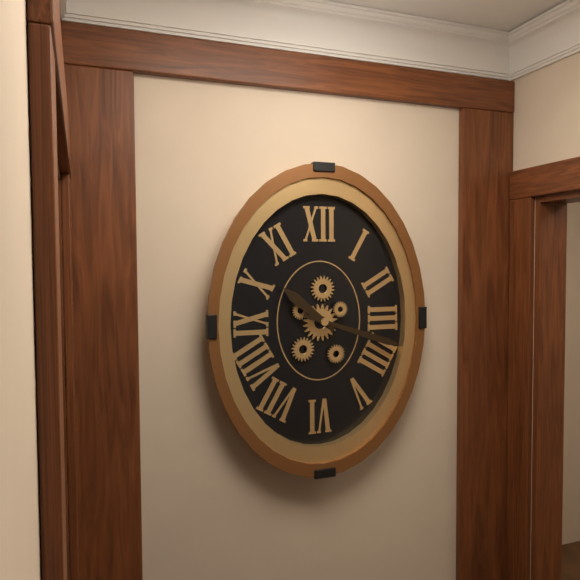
**10:18**
